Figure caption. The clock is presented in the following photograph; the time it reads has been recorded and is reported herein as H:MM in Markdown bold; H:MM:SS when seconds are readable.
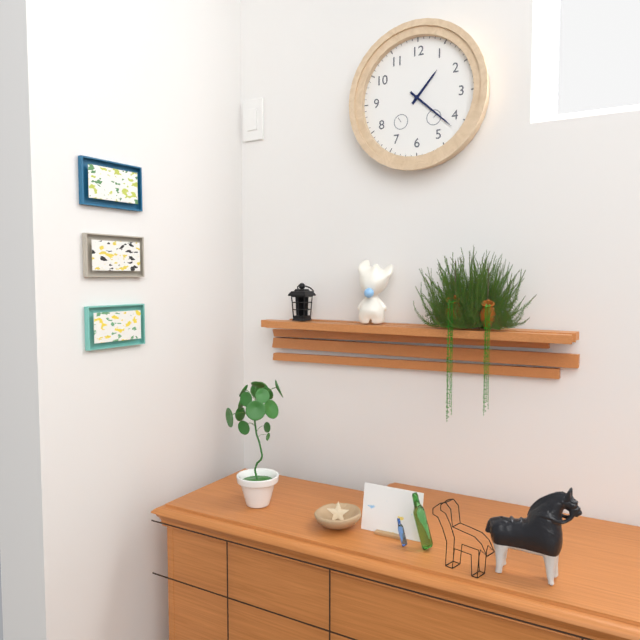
**1:22**
